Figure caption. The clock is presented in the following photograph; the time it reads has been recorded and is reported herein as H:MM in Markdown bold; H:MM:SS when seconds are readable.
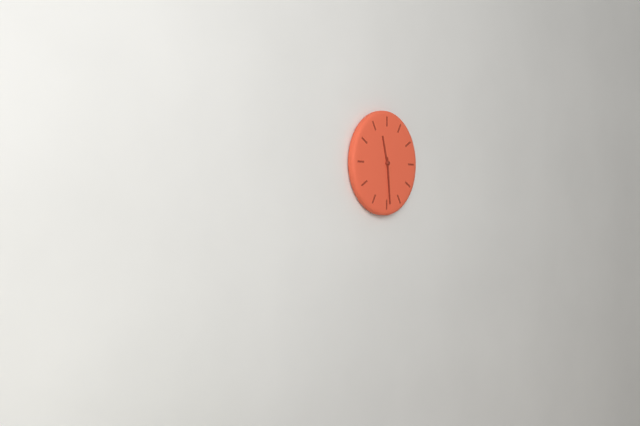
**11:29**
